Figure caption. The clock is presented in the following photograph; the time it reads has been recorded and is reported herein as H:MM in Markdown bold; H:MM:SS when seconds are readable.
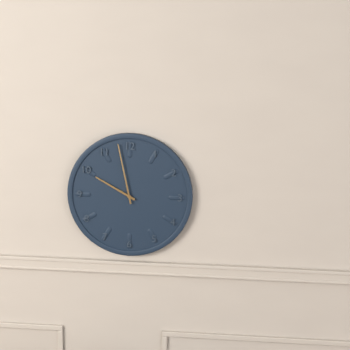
**9:58**
